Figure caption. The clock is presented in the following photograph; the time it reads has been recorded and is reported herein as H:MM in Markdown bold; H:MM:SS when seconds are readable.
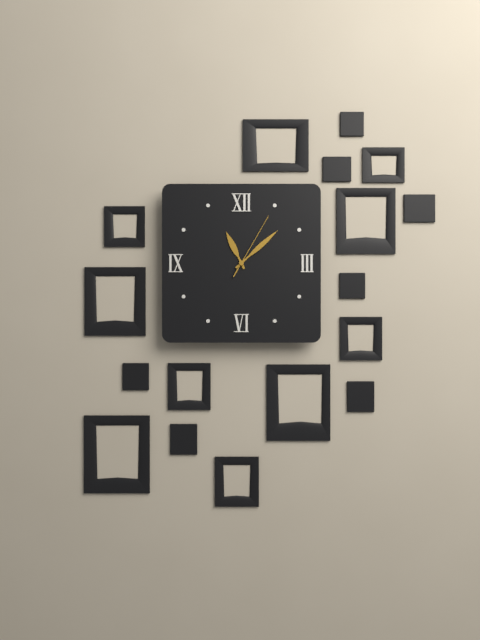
**11:08:05**
